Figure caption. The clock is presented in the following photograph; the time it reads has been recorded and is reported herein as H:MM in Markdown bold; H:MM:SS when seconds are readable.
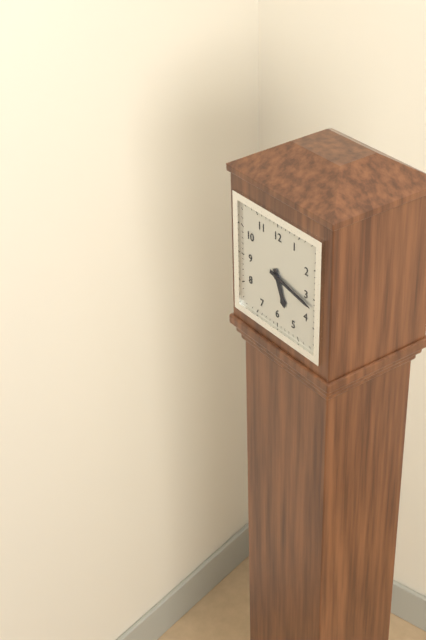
**5:17**
